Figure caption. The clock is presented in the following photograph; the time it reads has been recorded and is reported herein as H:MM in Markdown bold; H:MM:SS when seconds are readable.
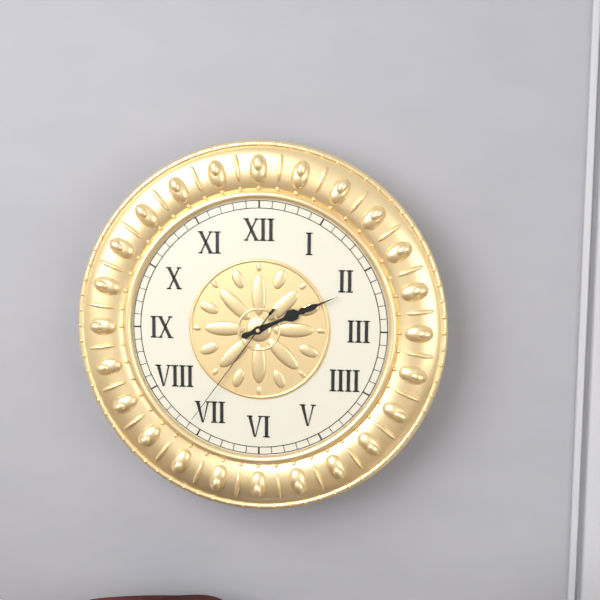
**2:11:36**
